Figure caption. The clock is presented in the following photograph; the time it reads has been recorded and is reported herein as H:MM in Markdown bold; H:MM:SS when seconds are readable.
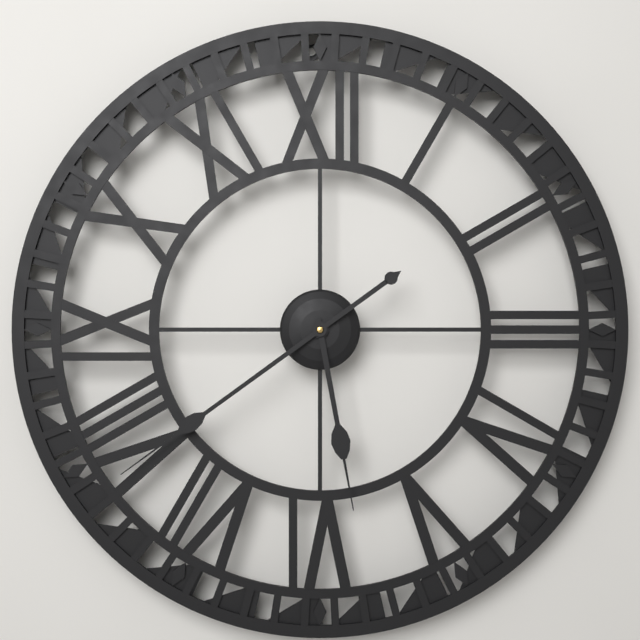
**5:39**
